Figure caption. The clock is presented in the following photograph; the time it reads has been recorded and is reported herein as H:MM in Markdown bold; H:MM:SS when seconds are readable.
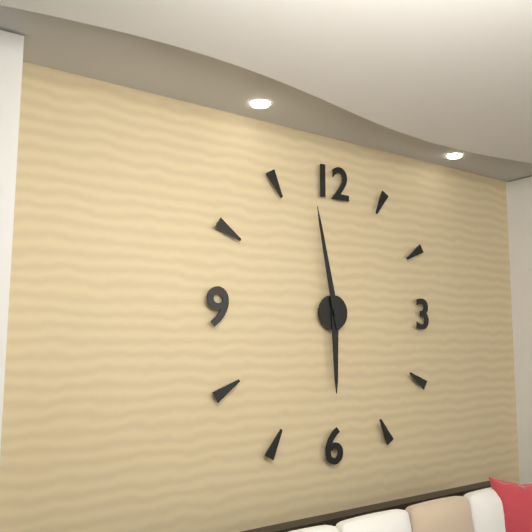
**5:58**
